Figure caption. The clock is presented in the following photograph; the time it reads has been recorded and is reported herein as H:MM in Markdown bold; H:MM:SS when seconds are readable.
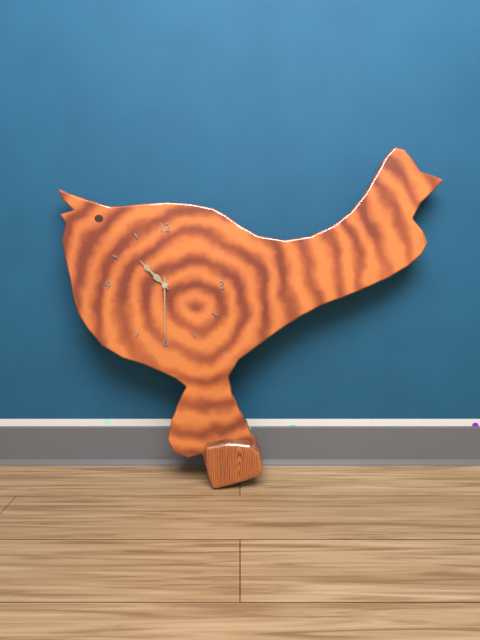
**10:30**
